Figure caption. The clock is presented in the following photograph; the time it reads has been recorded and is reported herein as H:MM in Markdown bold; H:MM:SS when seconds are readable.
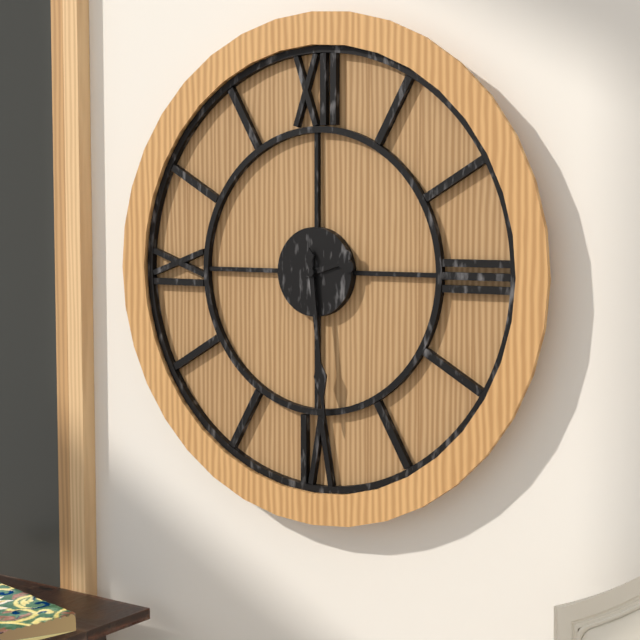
**2:29**
